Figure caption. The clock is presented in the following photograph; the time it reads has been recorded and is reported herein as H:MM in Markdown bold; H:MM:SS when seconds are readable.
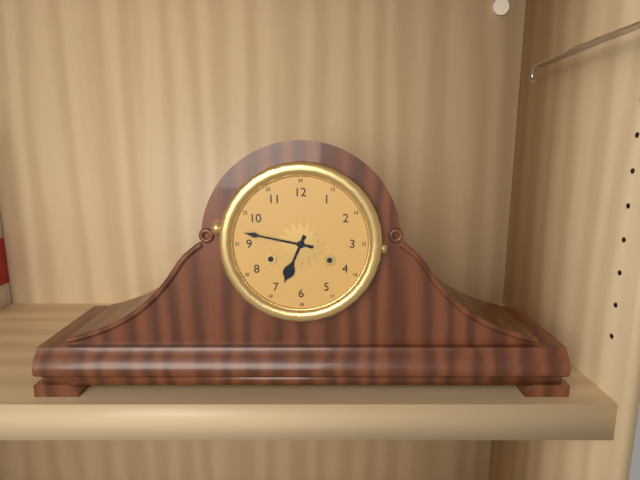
**6:47**
